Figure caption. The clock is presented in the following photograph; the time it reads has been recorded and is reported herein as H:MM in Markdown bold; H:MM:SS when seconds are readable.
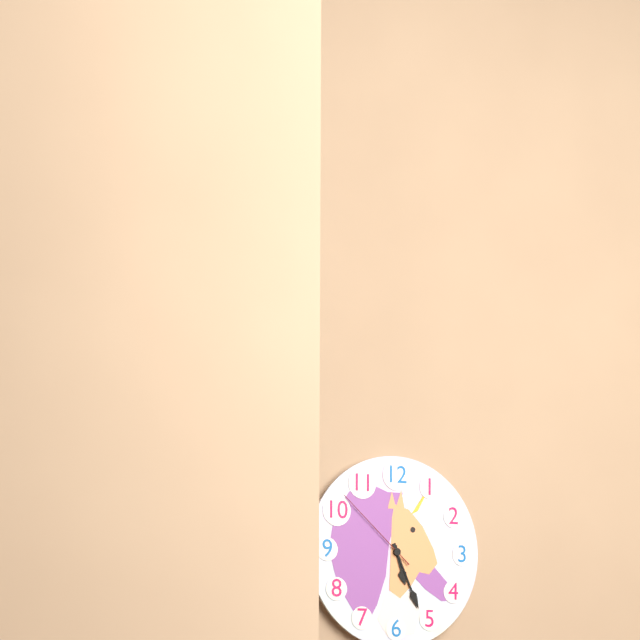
**5:26:52**
